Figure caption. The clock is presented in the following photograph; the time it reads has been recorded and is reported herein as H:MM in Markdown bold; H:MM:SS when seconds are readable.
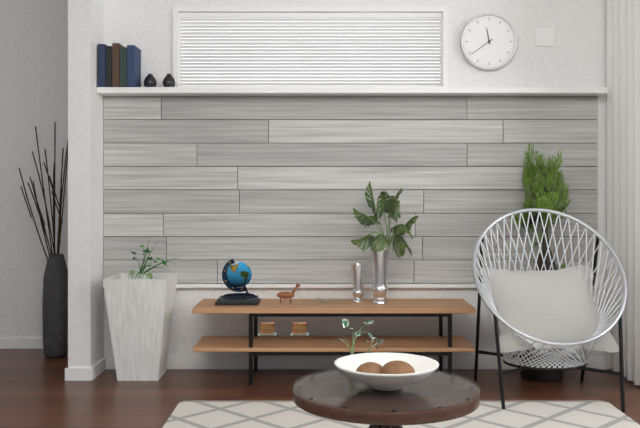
**11:39**
